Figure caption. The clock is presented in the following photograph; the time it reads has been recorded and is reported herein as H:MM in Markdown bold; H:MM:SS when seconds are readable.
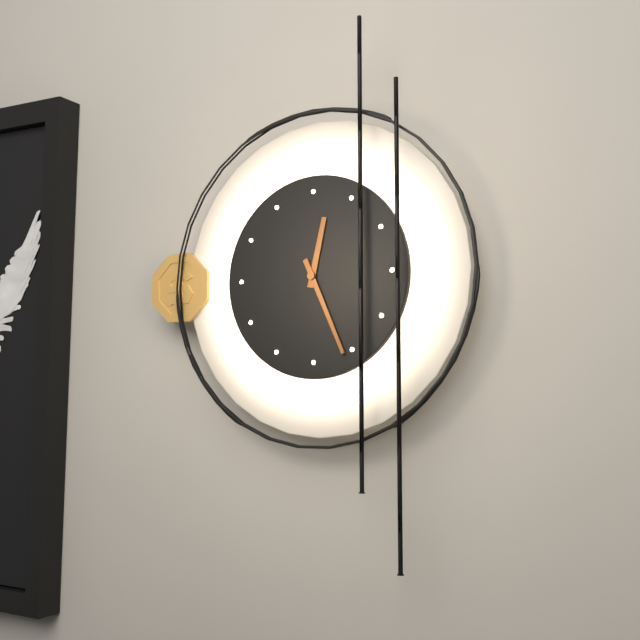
**12:26**
